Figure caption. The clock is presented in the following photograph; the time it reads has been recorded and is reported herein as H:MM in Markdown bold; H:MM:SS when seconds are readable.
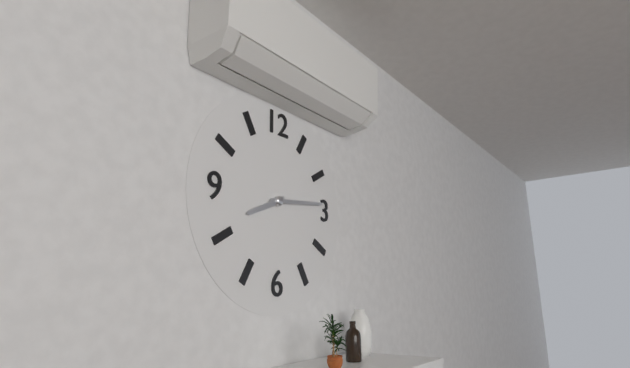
**8:14**
